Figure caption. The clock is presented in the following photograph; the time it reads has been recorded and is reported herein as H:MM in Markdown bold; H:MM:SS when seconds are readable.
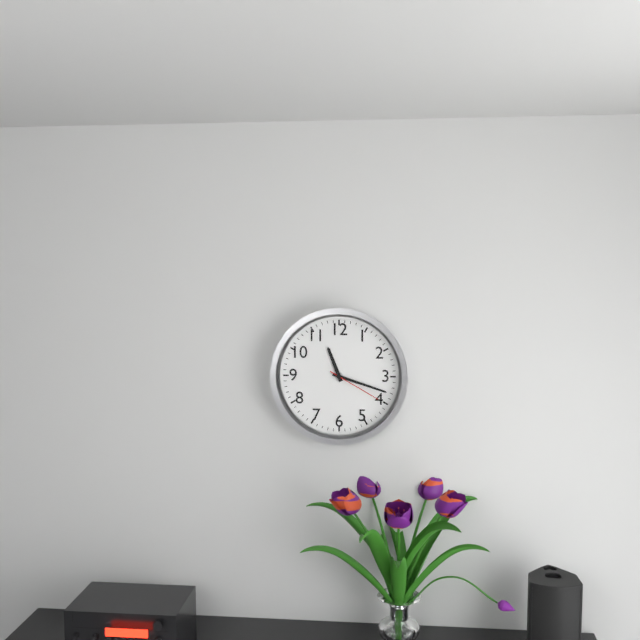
**11:18:20**
